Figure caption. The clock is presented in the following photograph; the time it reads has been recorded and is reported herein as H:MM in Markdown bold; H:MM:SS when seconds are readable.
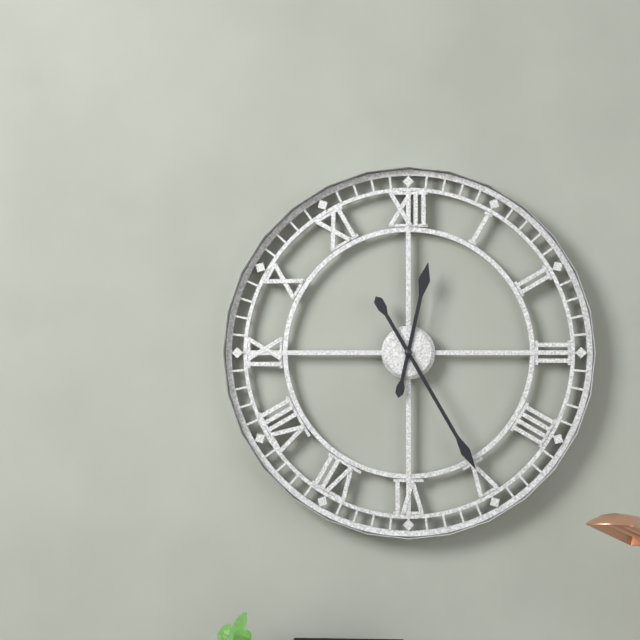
**12:25**
